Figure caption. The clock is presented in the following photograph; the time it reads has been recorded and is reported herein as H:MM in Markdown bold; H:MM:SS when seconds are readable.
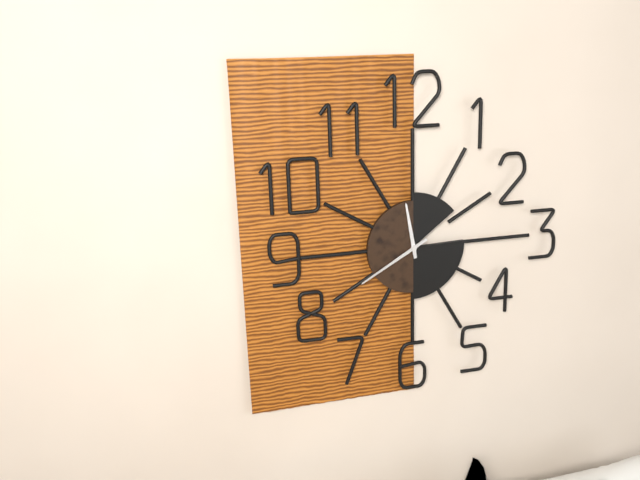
**11:40**
